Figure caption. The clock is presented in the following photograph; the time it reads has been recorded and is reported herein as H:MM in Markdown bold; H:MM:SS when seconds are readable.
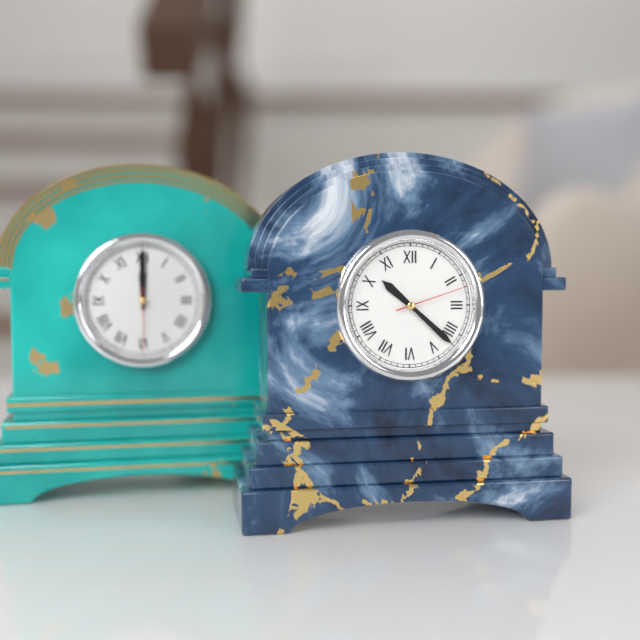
**10:22:12**
